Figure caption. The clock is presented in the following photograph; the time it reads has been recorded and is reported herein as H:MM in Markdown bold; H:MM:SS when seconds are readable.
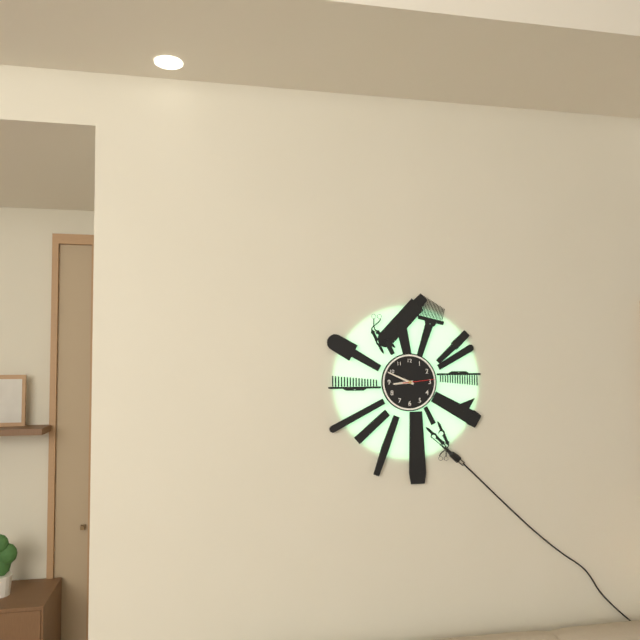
**8:49**
